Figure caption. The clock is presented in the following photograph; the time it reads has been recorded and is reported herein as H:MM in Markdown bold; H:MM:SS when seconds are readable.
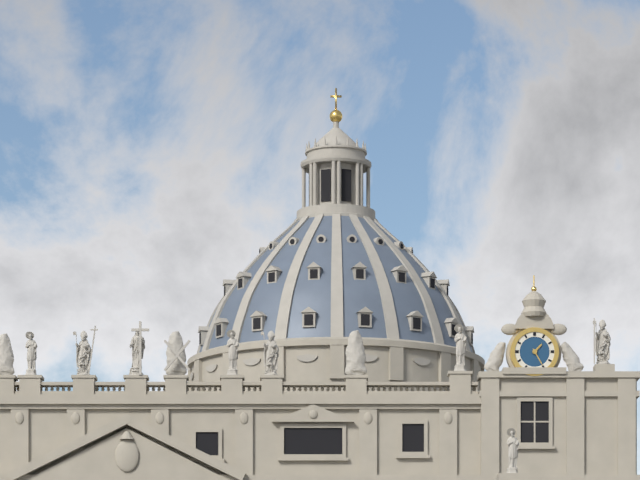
**1:25**
